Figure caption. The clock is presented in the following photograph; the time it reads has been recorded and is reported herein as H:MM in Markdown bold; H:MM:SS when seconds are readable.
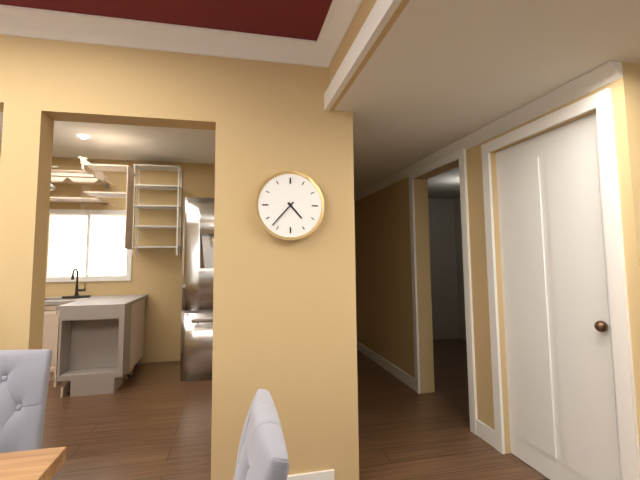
**4:37**
